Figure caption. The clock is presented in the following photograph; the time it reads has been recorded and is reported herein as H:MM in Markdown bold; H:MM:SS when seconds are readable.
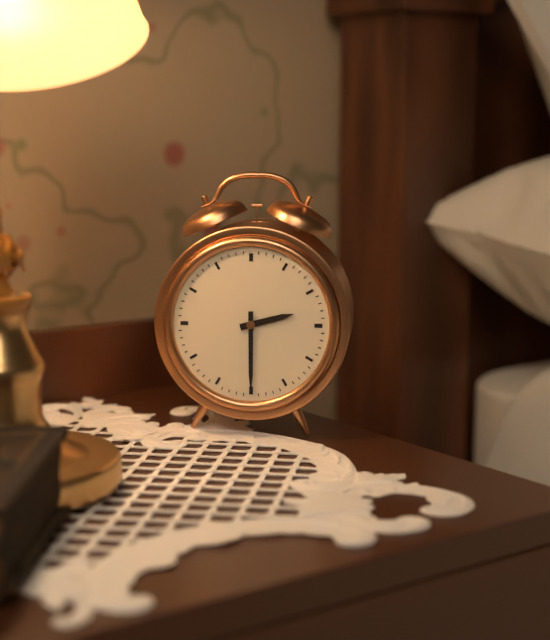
**2:30**
